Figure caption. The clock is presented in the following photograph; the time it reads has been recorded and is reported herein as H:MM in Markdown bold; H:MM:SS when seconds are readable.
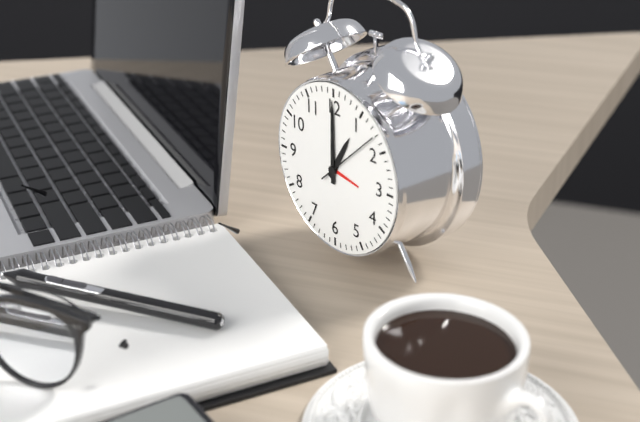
**1:00**
